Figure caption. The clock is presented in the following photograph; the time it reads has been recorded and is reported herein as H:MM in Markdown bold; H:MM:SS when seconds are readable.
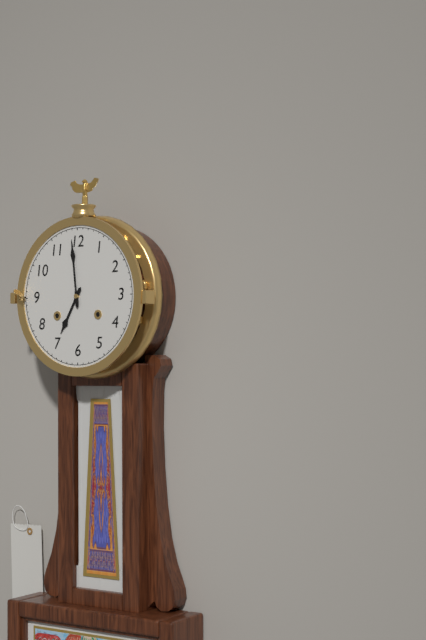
**6:59**
